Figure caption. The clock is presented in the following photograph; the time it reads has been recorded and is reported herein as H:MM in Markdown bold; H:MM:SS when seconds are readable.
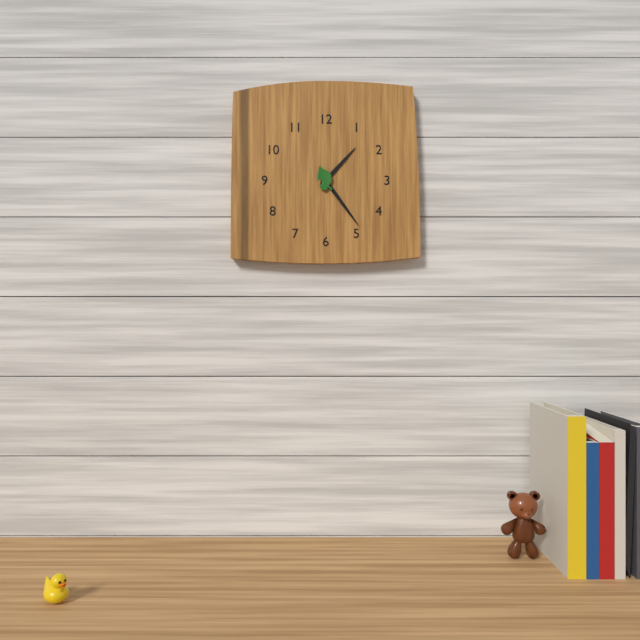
**1:24**
